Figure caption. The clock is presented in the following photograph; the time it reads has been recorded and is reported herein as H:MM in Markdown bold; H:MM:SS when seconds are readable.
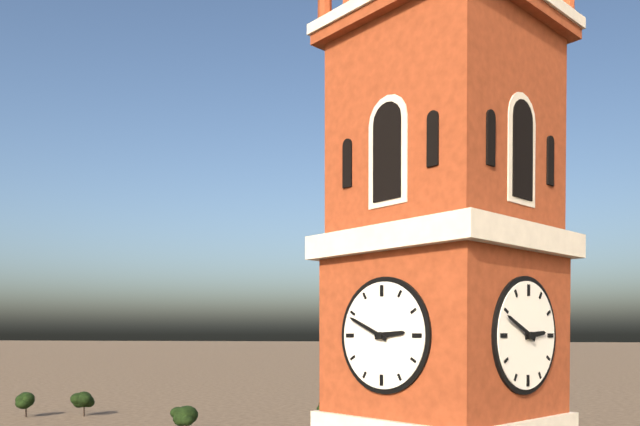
**2:49**
